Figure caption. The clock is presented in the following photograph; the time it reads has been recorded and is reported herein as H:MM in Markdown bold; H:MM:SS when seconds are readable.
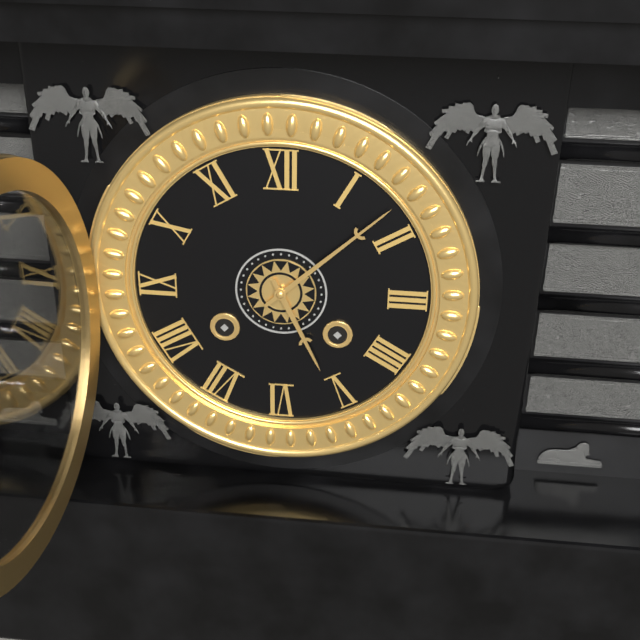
**5:08**
